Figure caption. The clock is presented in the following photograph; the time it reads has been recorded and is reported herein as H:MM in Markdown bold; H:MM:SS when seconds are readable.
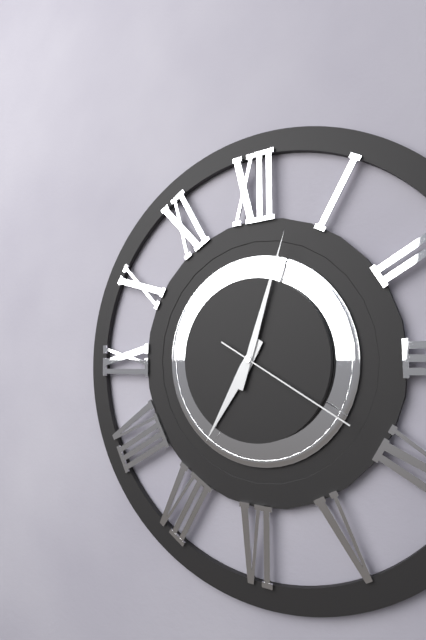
**7:03:20**
